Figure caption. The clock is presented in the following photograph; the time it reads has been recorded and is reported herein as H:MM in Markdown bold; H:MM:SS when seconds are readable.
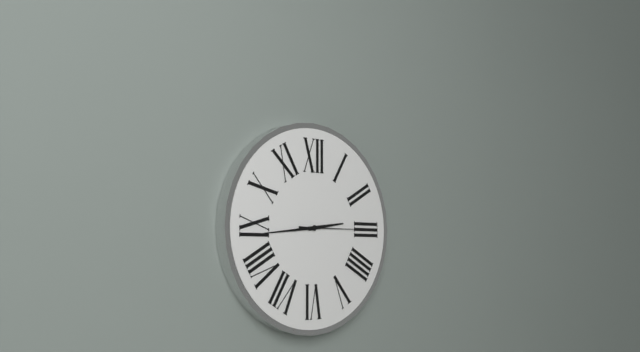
**2:44:15**
